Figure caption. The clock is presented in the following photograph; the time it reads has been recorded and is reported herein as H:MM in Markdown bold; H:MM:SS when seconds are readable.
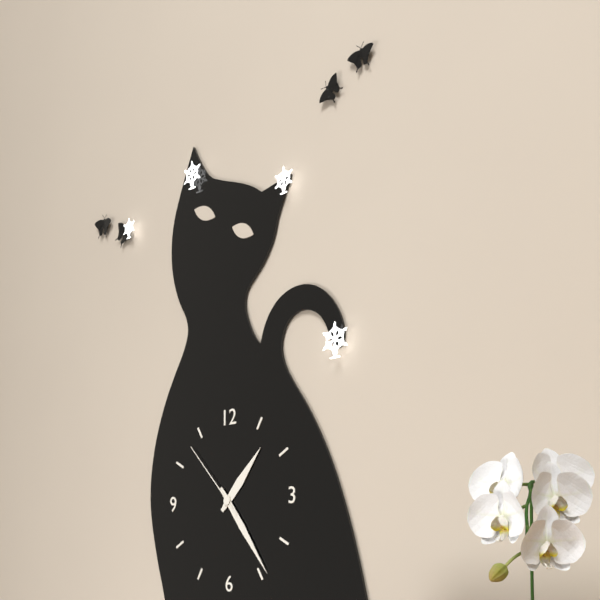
**1:24:53**
